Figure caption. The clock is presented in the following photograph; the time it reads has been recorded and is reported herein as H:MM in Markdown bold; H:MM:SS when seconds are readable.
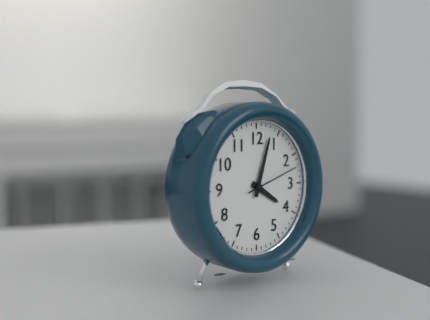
**4:03:12**
